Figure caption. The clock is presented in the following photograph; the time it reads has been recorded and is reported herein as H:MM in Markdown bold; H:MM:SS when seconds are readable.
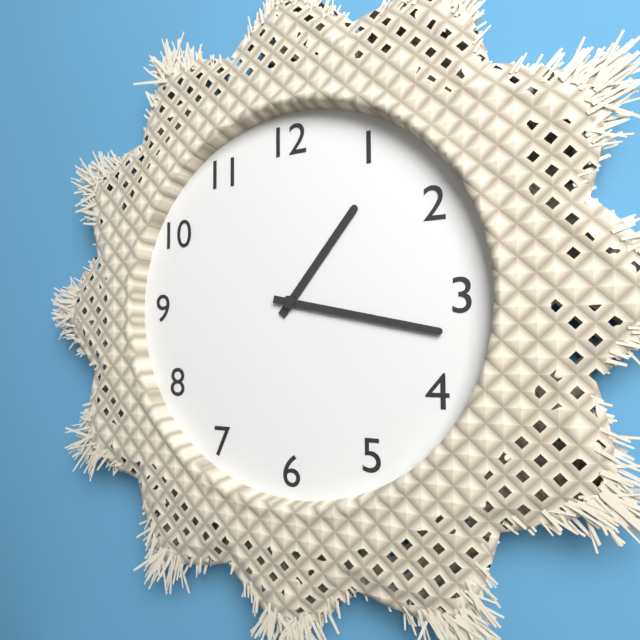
**1:17**
